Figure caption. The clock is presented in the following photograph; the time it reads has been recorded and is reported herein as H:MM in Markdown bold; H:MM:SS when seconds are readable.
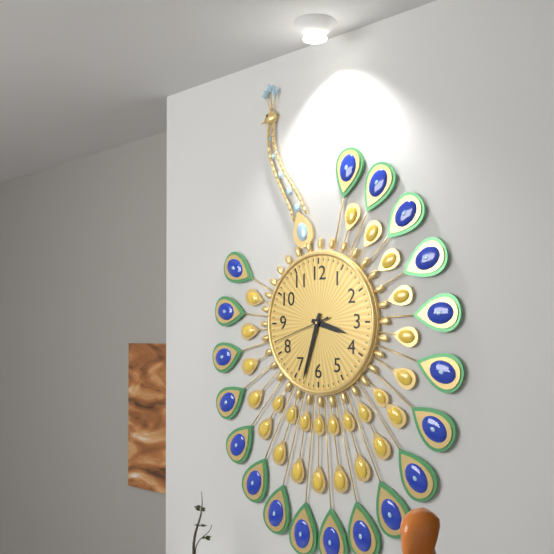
**3:33:42**
